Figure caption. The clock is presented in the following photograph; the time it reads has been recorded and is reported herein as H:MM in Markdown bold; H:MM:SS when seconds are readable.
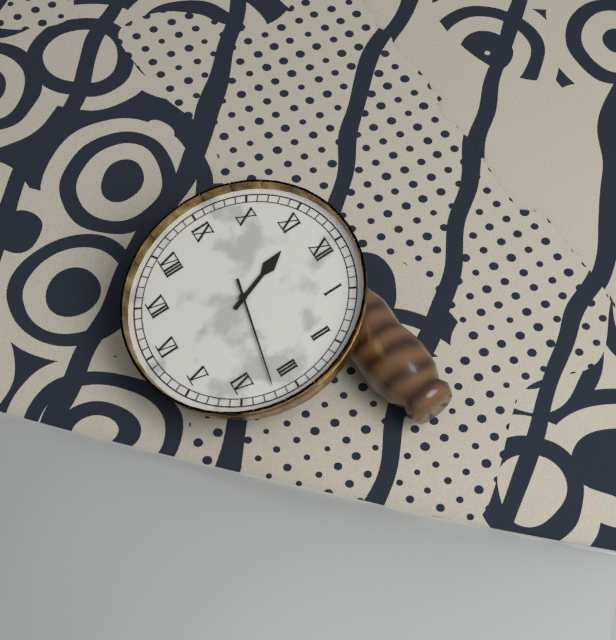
**11:17**
